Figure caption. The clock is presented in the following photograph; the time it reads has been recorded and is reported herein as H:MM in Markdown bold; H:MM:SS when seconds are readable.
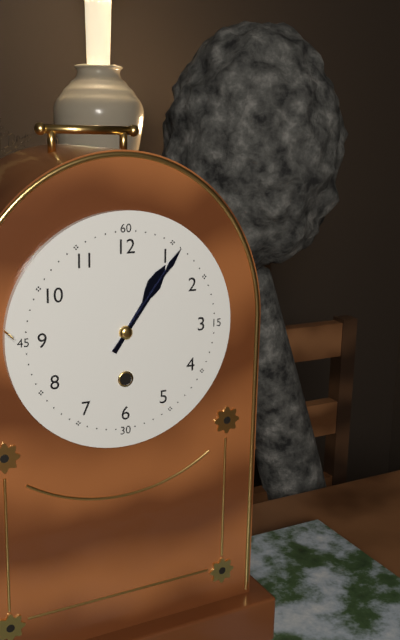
**1:06**
